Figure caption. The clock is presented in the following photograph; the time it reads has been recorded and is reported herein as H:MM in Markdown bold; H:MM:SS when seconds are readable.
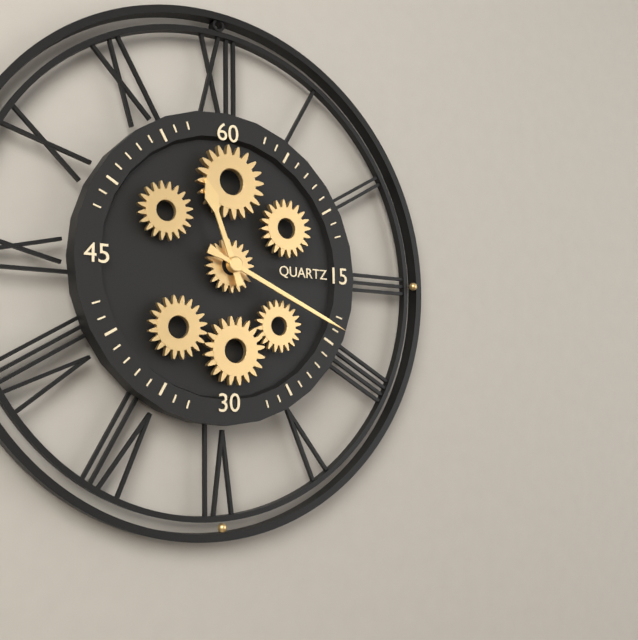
**11:19**
